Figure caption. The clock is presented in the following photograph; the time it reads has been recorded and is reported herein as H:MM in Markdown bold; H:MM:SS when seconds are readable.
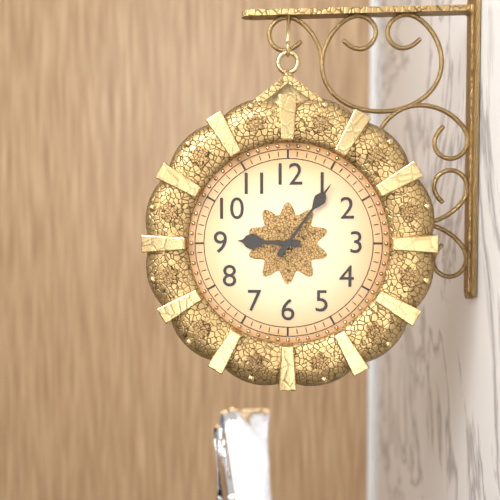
**9:06**
